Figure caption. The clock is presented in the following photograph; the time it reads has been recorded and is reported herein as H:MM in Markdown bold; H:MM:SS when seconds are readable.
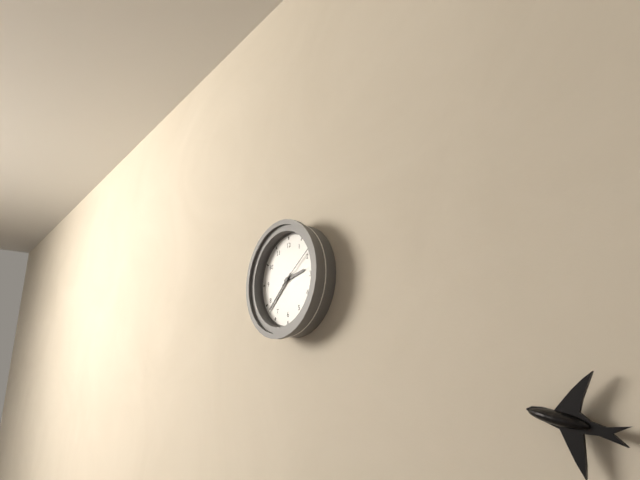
**2:38**
